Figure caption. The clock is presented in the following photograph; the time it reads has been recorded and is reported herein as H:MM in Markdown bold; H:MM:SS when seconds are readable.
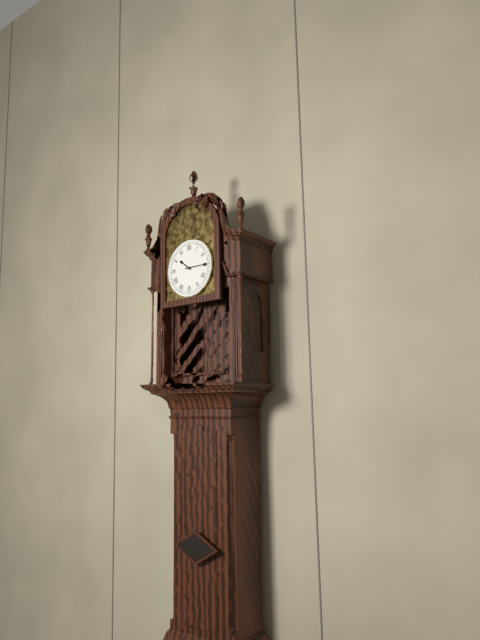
**10:15**
